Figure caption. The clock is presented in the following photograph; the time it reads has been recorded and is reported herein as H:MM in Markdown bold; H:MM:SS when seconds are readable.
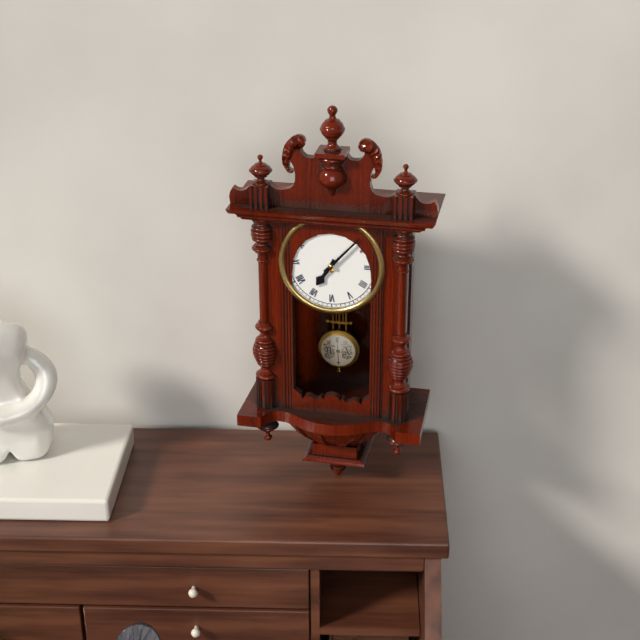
**7:07**
